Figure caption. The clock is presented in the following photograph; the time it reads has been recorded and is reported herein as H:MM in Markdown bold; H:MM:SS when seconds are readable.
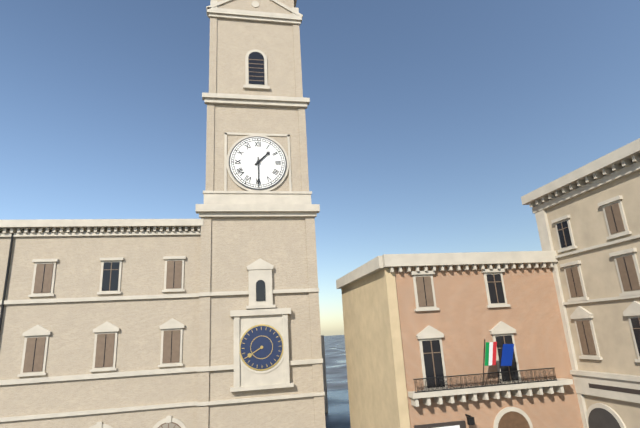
**1:30**
